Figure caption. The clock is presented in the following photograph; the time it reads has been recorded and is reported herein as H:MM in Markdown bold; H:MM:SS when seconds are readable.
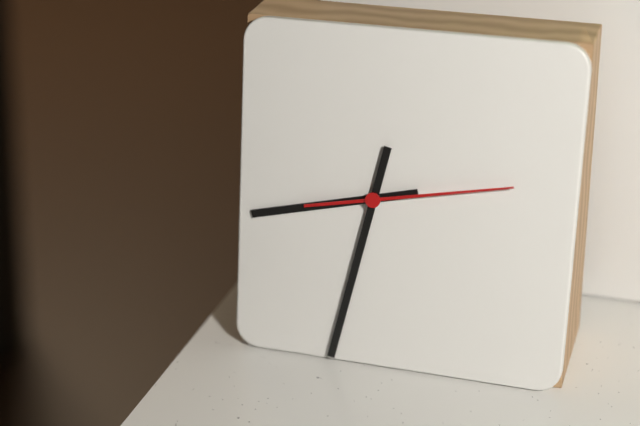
**8:32:13**
